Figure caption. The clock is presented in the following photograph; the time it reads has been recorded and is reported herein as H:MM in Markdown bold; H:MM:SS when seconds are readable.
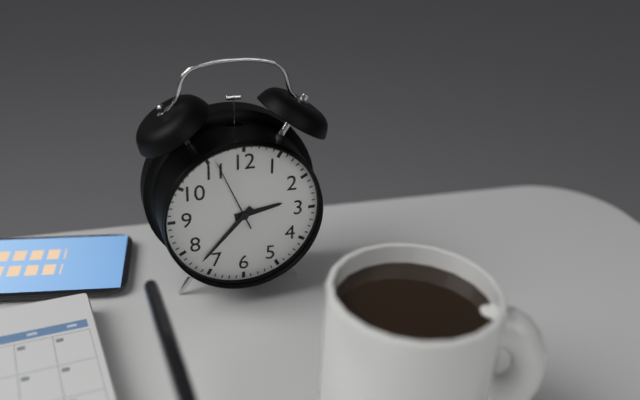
**2:37:56**
